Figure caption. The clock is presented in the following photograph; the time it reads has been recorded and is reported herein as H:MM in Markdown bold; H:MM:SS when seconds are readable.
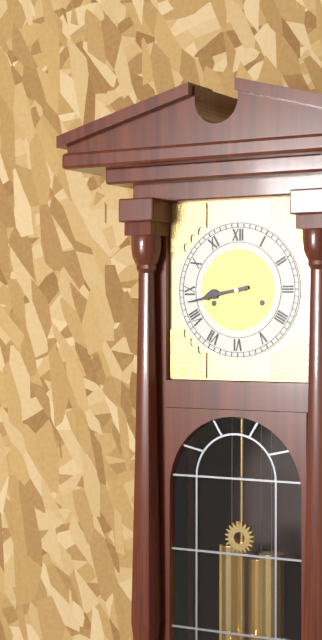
**8:43**
